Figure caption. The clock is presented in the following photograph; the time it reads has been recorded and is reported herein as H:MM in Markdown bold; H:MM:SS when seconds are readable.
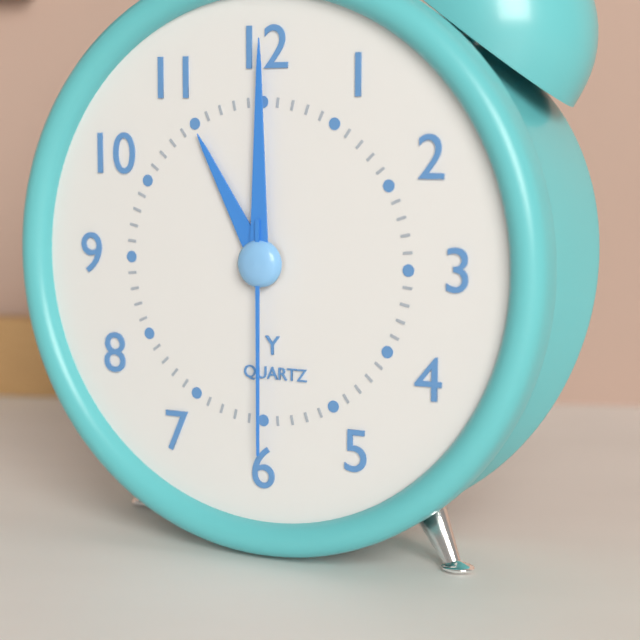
**11:00:30**
